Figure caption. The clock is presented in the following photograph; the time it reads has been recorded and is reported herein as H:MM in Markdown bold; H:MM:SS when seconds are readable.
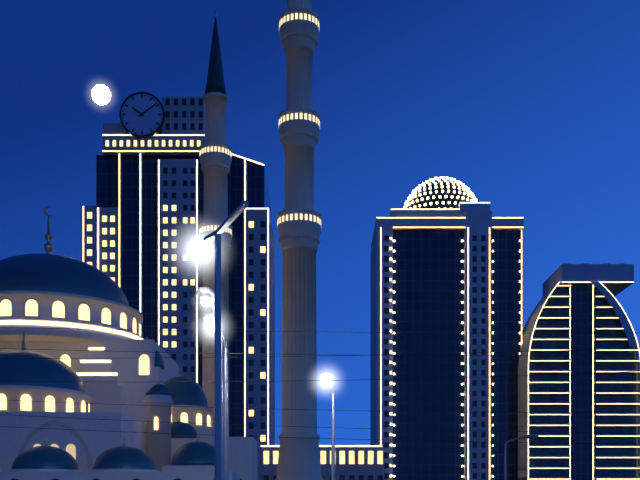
**10:09**
